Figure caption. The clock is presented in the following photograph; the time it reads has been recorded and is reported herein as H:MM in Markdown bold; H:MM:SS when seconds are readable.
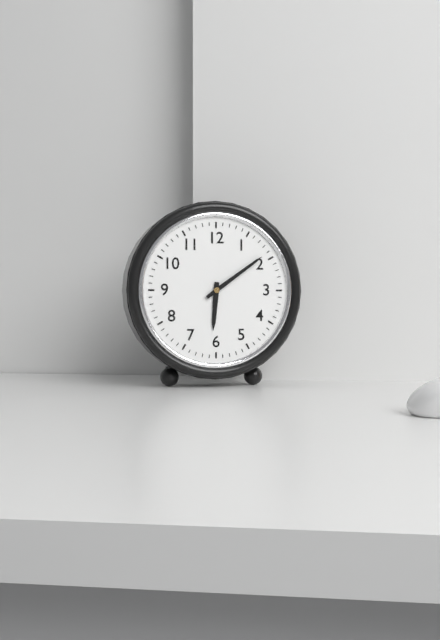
**6:09**
